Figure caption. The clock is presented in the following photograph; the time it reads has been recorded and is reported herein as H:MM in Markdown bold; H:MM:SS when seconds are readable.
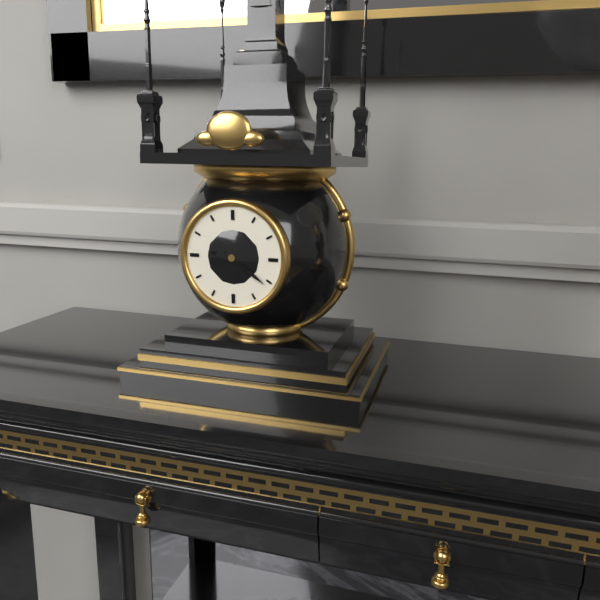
**9:21**
